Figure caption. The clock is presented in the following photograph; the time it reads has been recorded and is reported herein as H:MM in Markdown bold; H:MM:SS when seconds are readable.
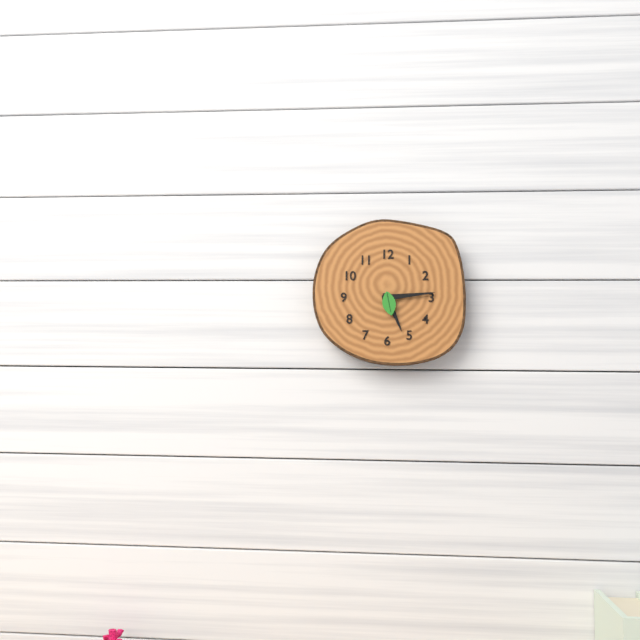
**5:14**
